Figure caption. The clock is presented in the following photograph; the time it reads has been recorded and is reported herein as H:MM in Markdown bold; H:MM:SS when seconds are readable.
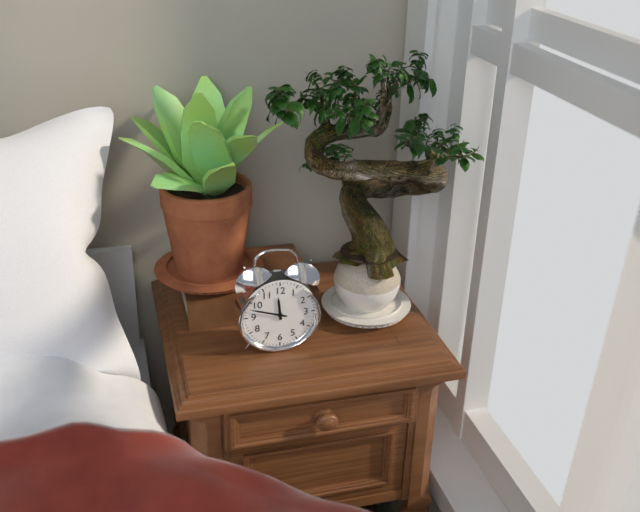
**11:48**
